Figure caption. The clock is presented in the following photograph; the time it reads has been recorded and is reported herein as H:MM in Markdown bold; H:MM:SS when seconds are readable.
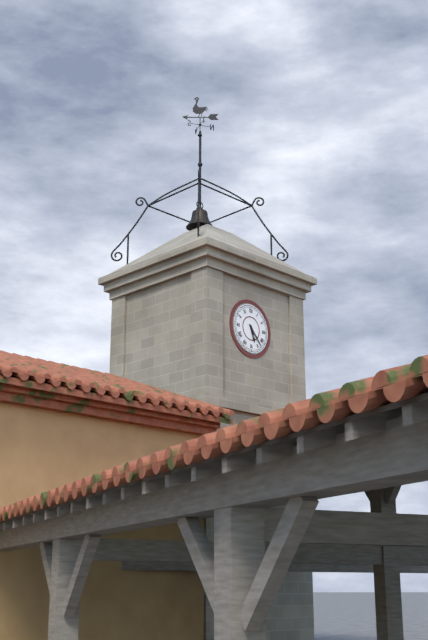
**5:23**
